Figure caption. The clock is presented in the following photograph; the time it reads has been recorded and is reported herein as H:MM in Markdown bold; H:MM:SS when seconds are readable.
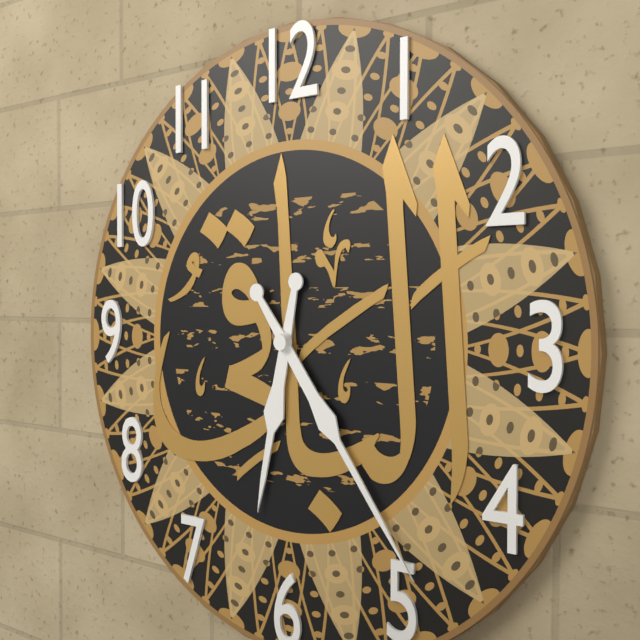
**6:24**
